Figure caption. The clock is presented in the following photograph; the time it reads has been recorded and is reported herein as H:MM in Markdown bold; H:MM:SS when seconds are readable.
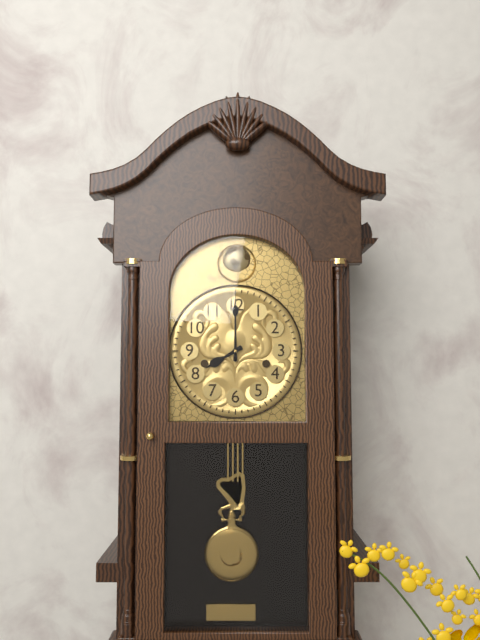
**8:00**
